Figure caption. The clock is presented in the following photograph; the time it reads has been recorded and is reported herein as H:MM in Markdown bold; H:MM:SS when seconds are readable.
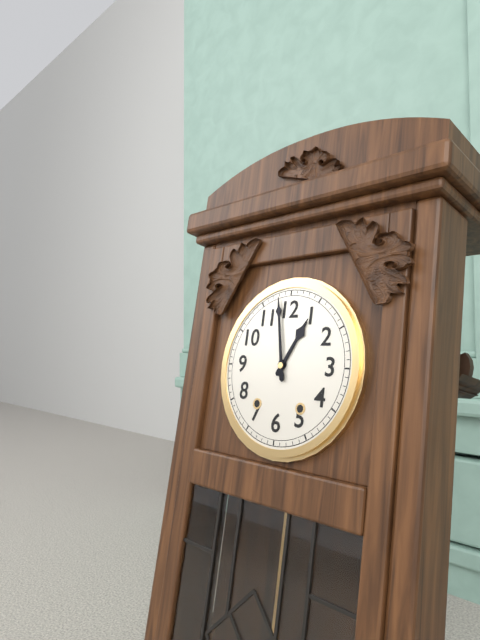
**12:58**
